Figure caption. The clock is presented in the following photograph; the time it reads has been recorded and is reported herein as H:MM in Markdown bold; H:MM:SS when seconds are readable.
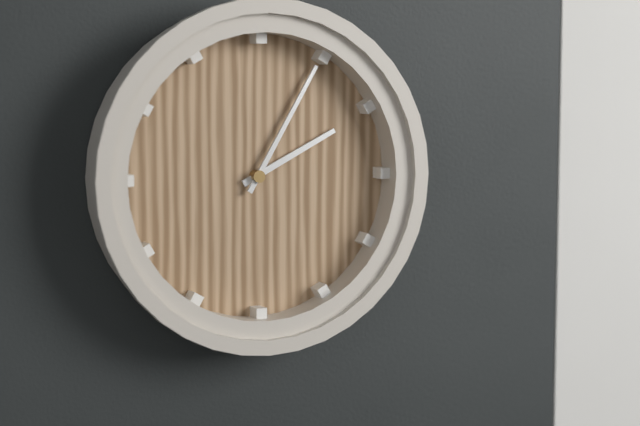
**2:05**
